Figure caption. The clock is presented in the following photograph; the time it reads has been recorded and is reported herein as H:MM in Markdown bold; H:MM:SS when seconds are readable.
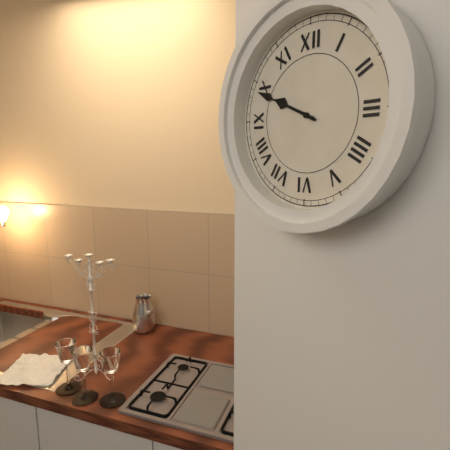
**9:49**
